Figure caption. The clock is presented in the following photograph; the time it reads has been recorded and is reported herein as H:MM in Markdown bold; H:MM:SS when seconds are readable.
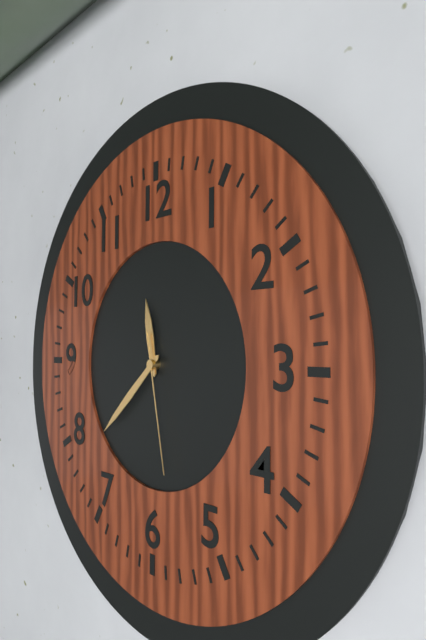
**11:38:28**
